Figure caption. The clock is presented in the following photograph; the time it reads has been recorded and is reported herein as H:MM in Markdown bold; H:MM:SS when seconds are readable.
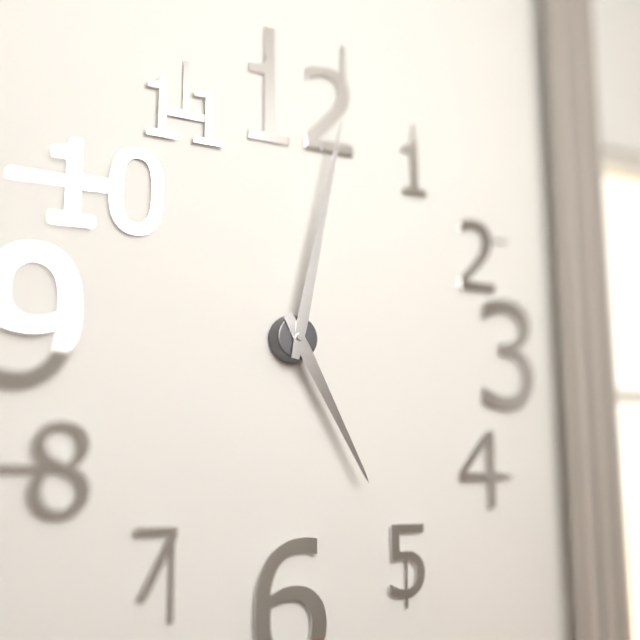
**5:02**
